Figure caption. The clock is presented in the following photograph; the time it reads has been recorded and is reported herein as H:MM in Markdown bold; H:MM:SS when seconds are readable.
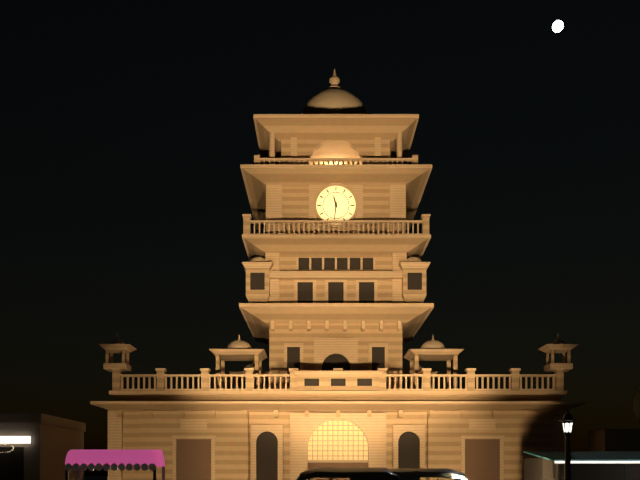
**11:31**
